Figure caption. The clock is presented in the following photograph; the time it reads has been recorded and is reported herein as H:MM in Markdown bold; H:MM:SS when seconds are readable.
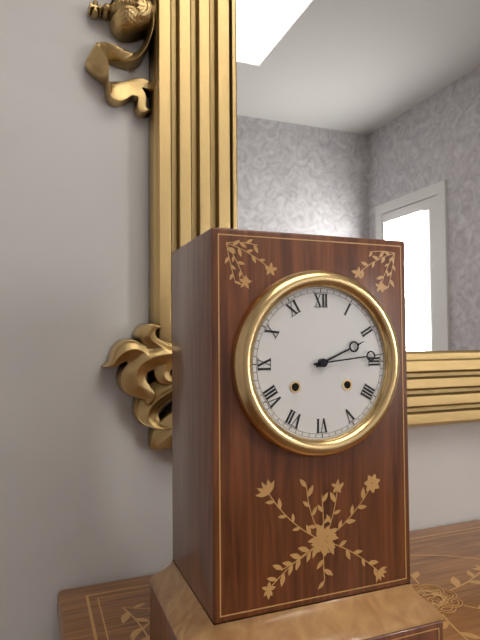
**2:14**
